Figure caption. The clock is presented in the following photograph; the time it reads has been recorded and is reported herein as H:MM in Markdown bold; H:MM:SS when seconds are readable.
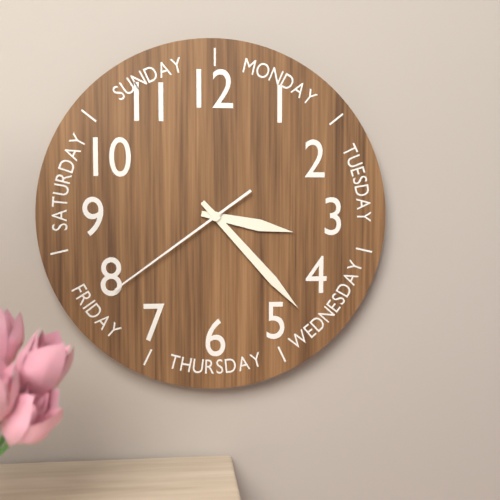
**3:23:39**
